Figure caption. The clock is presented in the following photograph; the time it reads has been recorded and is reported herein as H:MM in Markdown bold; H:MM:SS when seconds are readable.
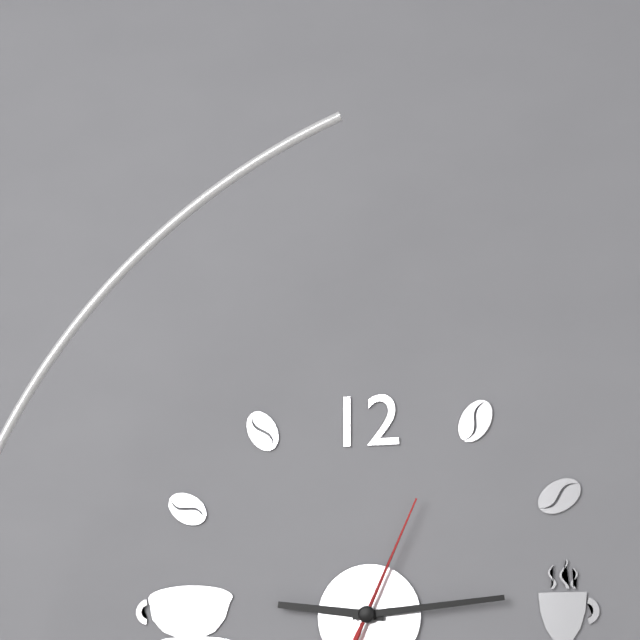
**9:14:04**
